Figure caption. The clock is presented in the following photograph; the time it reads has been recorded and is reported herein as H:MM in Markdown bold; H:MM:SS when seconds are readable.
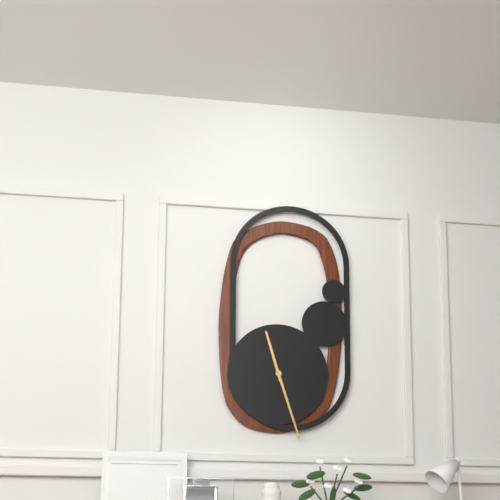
**11:27**
